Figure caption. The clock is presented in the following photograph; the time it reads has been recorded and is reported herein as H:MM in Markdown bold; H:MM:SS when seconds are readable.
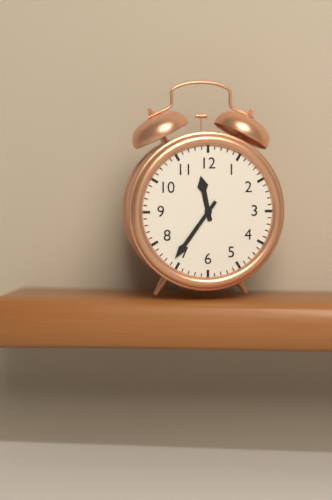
**11:36**
